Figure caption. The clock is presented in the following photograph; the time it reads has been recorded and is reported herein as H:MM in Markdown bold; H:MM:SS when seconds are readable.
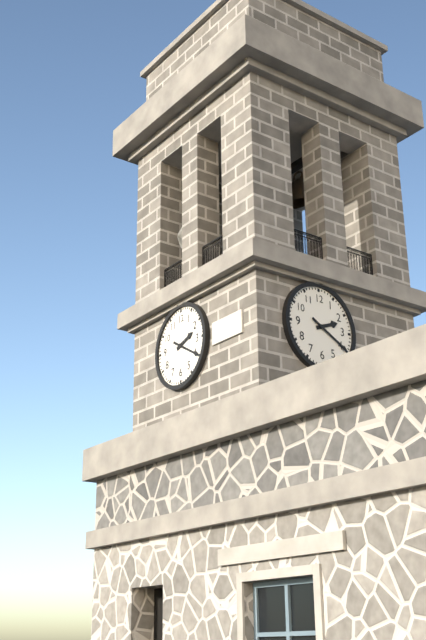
**2:20**
